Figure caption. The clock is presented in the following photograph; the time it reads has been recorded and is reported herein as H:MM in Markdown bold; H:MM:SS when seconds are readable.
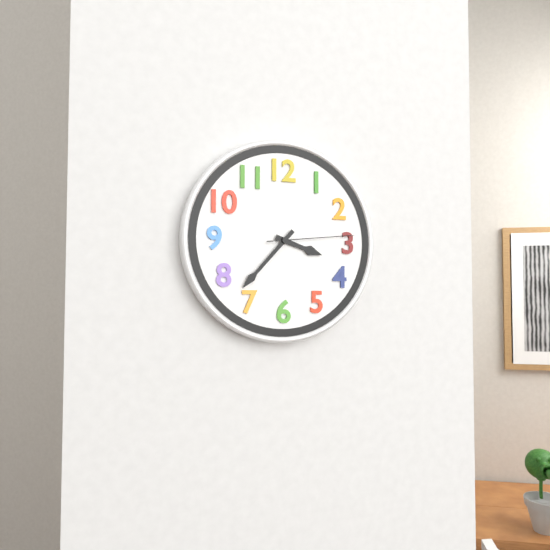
**3:37:14**
